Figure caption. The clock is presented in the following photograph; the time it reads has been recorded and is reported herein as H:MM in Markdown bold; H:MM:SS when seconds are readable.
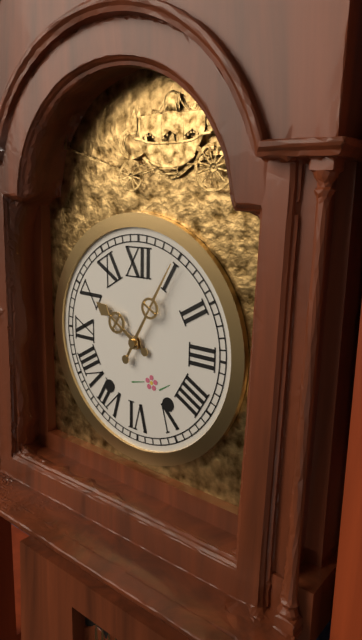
**10:05**
